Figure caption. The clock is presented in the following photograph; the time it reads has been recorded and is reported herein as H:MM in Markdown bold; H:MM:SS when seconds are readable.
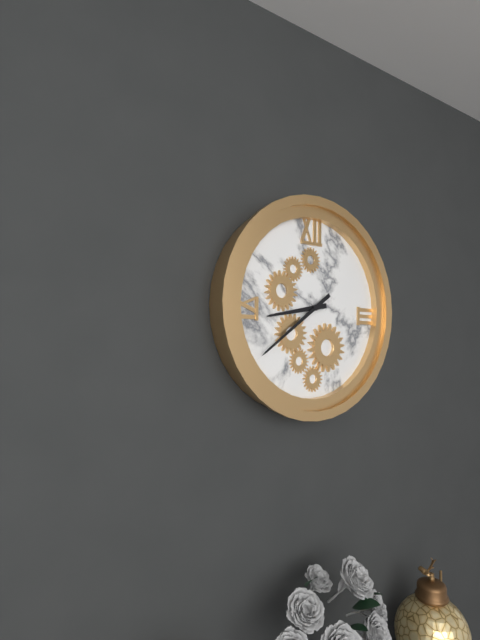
**8:39**
